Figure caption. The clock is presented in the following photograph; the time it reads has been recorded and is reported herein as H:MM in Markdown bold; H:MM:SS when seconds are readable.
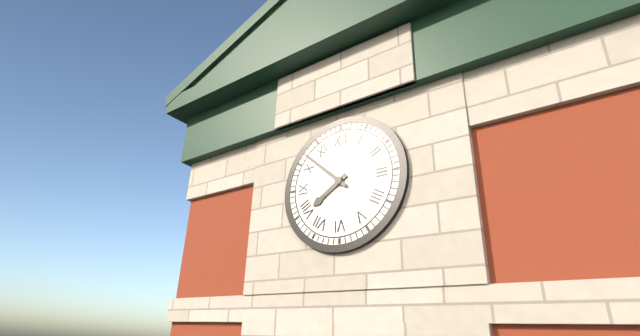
**7:52**
